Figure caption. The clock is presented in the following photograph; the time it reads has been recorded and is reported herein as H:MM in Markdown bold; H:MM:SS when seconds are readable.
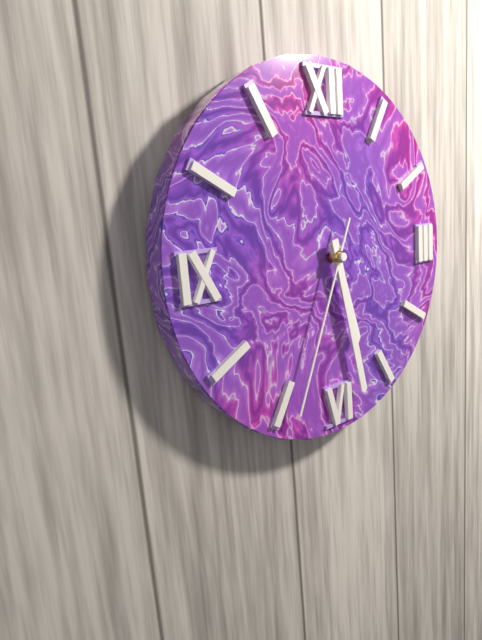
**5:28:34**
